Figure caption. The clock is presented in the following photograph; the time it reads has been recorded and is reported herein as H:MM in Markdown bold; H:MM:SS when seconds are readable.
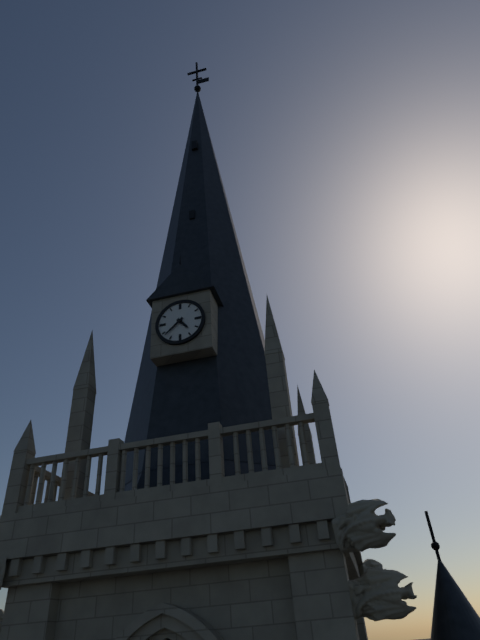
**4:38**
